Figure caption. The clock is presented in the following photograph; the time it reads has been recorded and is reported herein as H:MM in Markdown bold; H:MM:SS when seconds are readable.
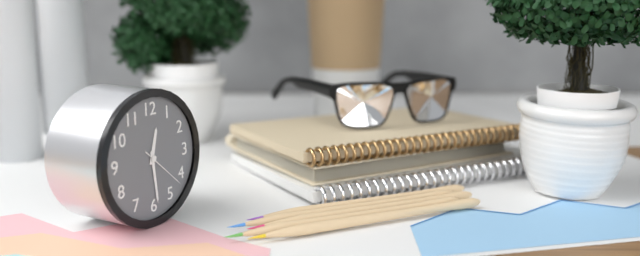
**12:29**
